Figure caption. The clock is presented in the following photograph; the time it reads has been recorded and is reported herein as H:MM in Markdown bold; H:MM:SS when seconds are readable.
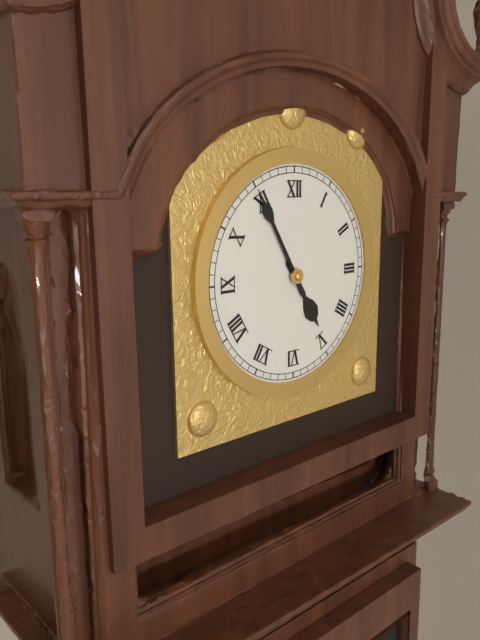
**4:55**
